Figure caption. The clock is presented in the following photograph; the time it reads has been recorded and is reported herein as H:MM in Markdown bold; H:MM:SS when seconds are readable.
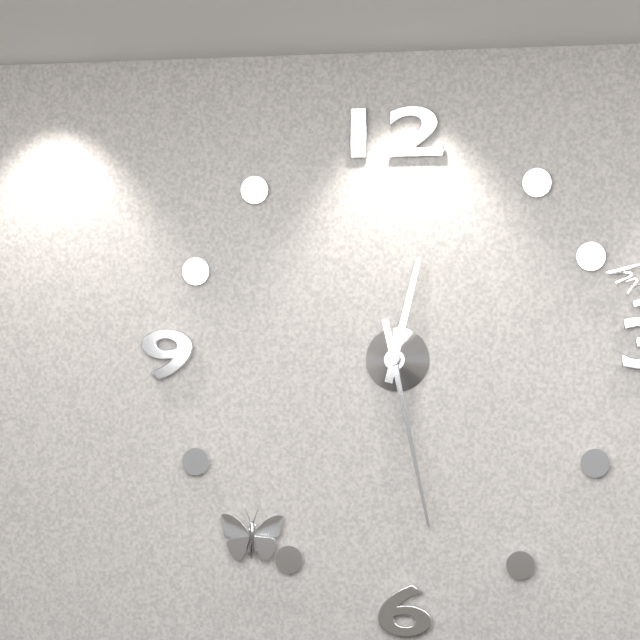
**12:28**
